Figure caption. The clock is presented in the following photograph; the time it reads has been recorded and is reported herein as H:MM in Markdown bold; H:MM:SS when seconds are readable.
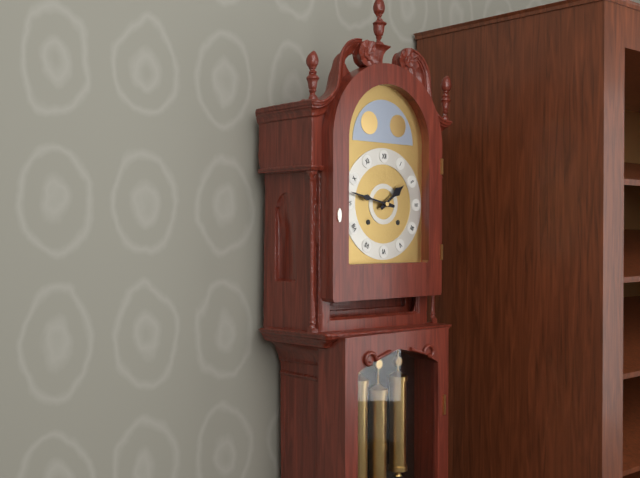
**1:47**
